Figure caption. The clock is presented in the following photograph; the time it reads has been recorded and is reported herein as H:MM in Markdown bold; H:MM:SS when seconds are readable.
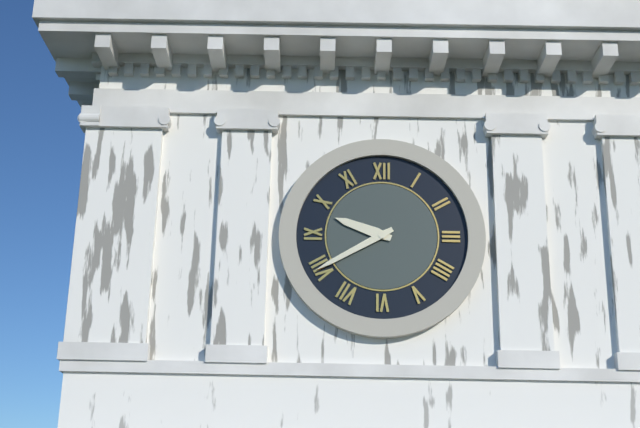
**9:40**
